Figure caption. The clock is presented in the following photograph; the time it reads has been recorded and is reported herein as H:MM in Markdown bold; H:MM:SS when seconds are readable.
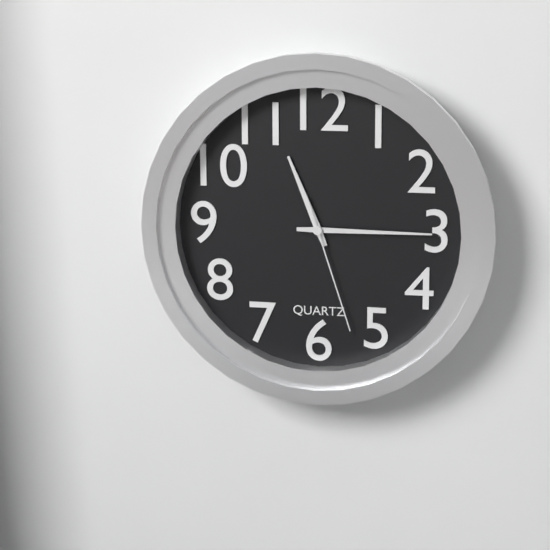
**11:15:27**
